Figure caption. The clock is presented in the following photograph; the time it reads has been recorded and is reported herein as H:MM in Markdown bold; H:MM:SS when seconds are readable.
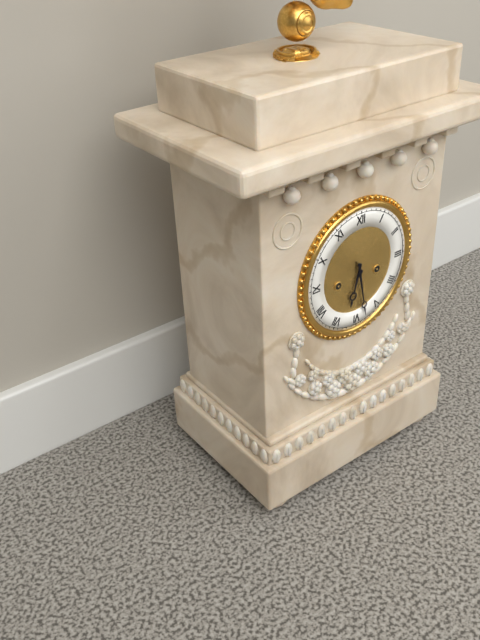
**6:28**
